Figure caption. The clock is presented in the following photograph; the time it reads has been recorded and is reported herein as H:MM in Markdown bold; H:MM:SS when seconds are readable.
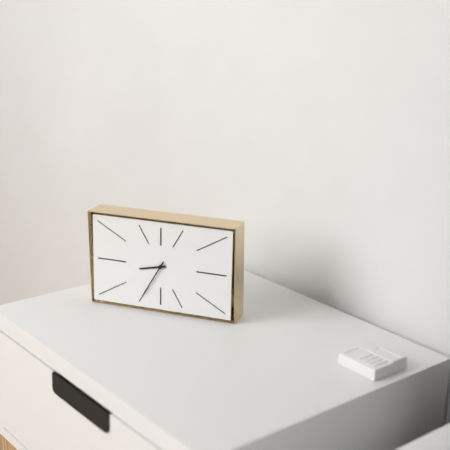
**8:35**
